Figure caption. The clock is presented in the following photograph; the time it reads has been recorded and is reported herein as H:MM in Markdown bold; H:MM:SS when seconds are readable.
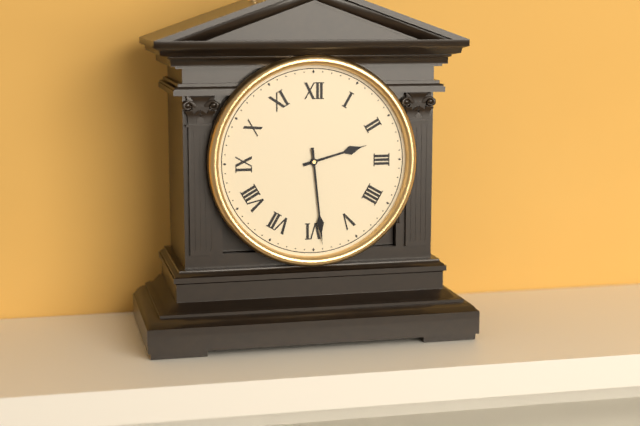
**2:29**
